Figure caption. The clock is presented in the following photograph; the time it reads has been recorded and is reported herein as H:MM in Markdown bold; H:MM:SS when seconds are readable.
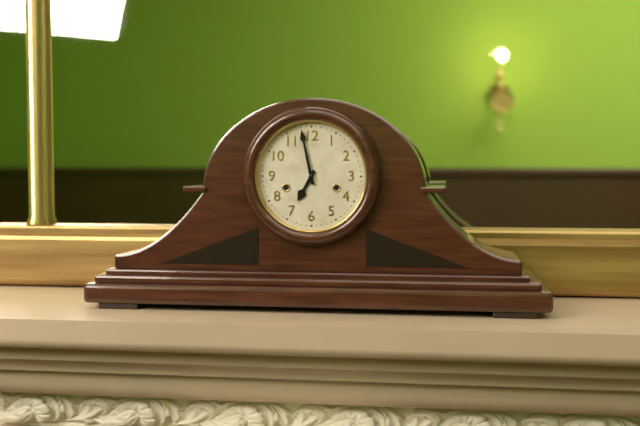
**6:58**
